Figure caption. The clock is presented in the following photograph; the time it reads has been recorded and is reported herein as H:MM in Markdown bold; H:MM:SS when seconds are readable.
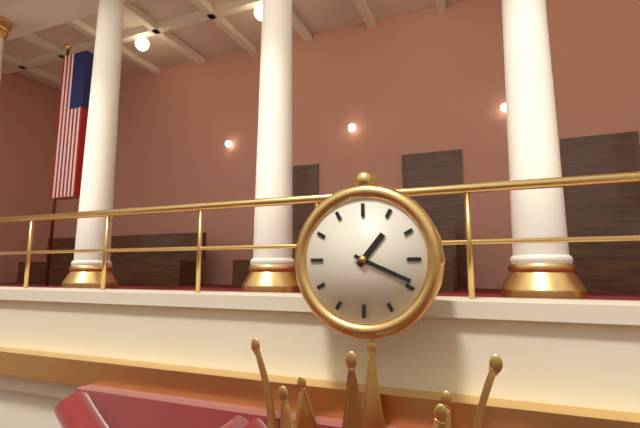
**1:19**
